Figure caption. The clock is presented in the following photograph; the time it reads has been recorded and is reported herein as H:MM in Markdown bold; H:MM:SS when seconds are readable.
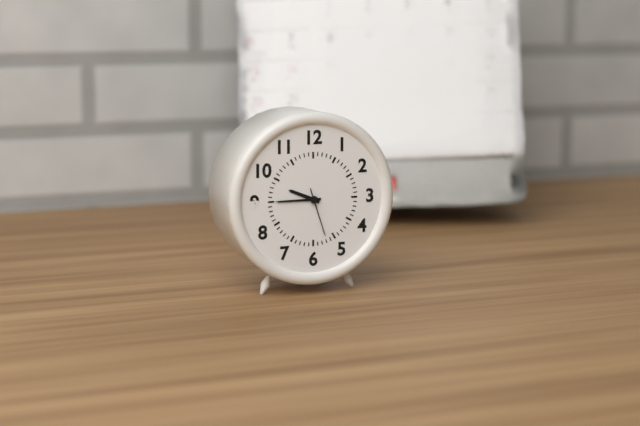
**9:45**
